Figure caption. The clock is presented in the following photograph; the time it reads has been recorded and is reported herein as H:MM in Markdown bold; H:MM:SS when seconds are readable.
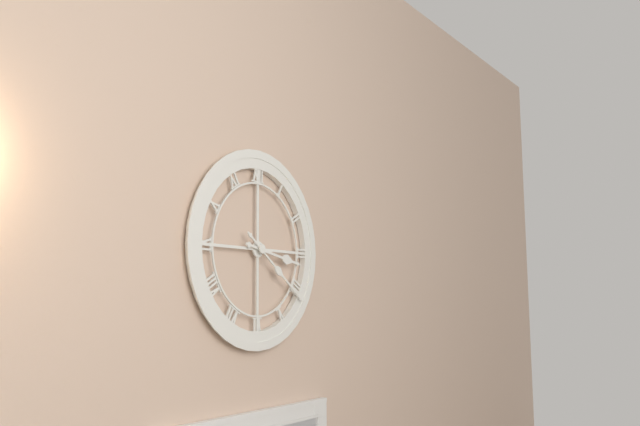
**3:21**
